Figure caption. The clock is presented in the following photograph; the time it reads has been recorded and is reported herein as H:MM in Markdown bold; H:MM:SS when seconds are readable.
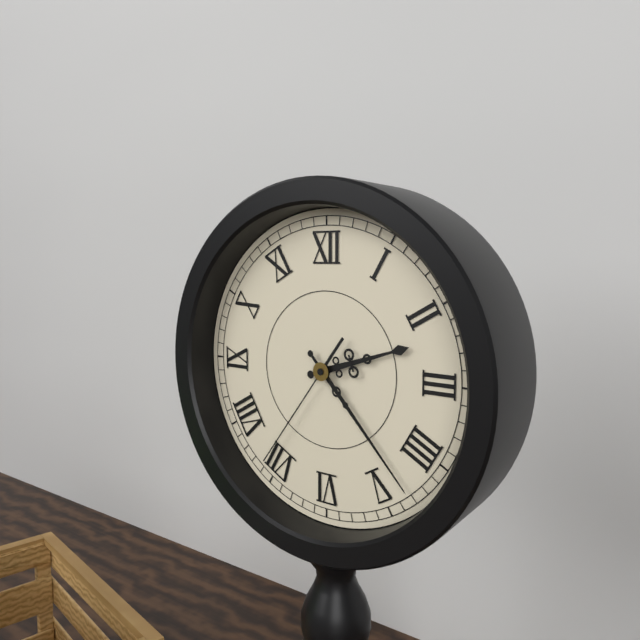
**2:23:36**
